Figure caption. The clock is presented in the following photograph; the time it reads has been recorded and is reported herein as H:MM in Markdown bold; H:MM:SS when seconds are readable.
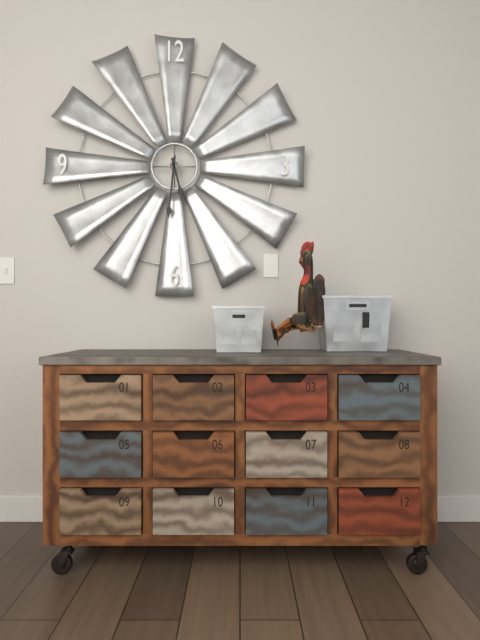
**5:31**
